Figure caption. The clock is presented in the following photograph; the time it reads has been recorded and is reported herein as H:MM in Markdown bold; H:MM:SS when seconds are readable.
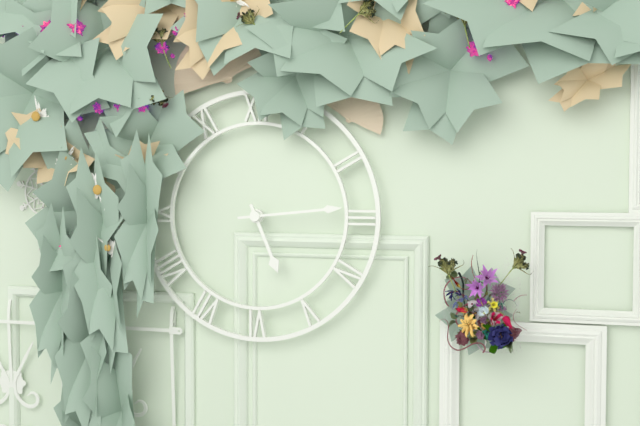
**5:14**
